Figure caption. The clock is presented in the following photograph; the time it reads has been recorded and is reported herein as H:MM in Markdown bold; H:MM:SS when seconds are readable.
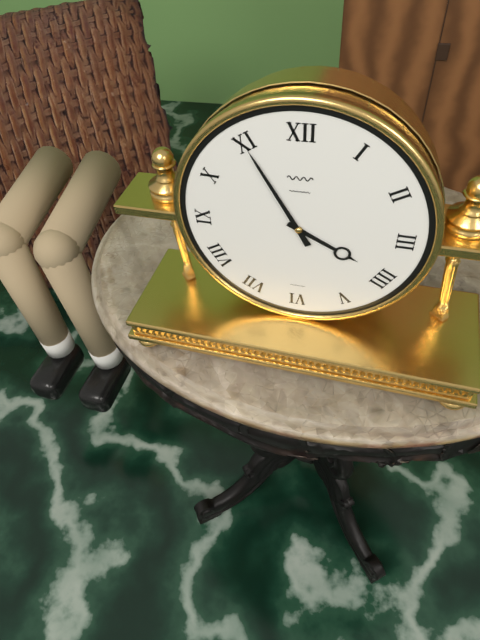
**3:55**
